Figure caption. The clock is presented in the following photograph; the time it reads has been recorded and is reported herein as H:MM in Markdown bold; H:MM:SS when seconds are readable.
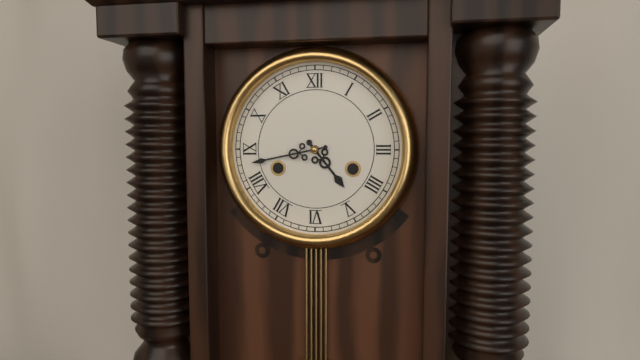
**4:43**
